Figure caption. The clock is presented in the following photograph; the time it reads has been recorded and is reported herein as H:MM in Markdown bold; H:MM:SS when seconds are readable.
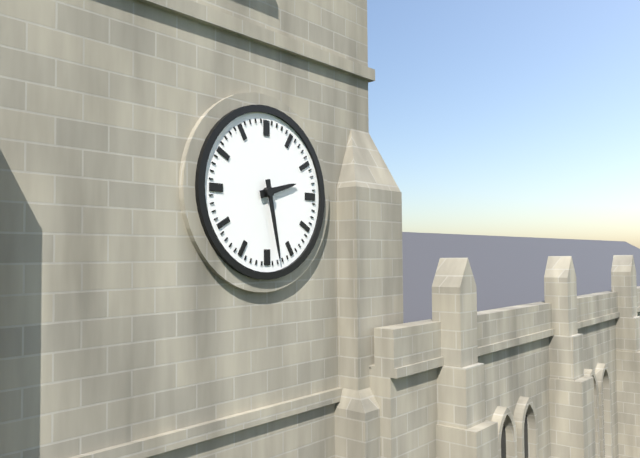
**2:28**
